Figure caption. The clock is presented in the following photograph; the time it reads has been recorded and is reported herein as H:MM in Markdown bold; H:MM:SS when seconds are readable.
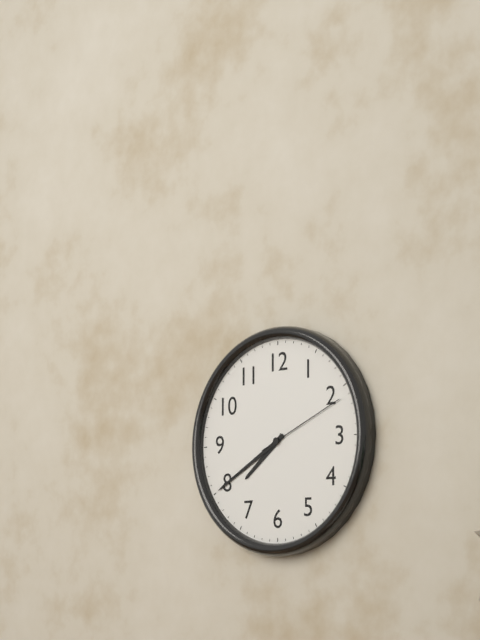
**7:40:11**
